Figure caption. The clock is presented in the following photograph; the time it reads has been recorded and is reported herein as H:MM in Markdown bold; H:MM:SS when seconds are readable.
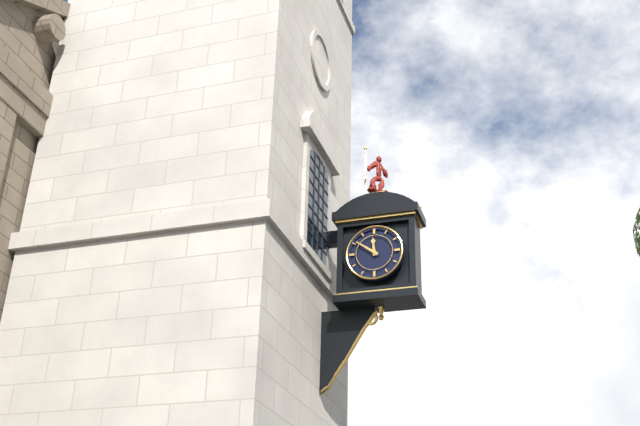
**11:51**
